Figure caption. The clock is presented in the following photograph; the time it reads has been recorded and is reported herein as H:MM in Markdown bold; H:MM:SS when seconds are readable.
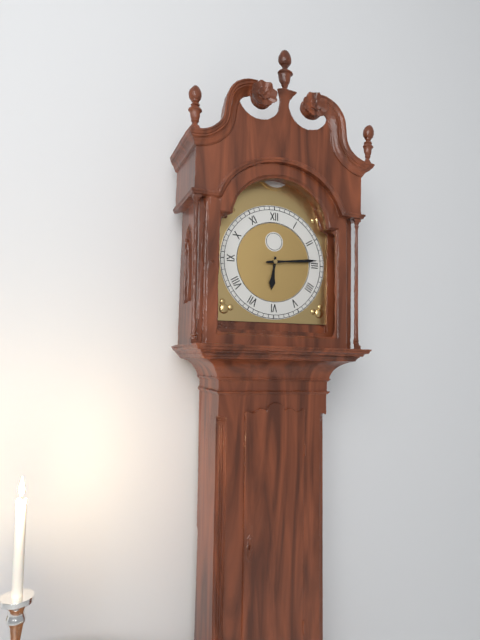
**6:14**
